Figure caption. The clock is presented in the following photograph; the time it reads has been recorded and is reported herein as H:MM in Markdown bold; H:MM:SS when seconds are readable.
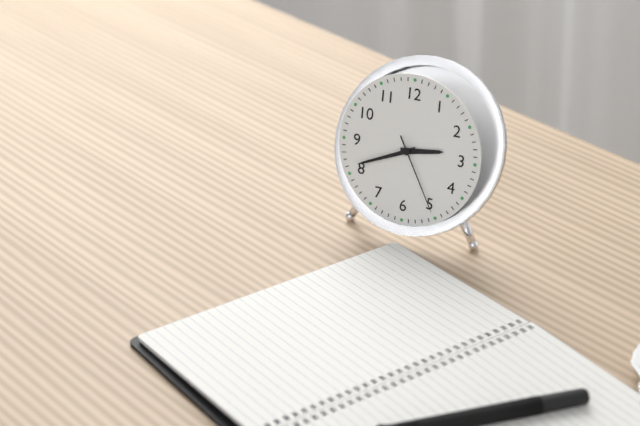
**2:41:25**
